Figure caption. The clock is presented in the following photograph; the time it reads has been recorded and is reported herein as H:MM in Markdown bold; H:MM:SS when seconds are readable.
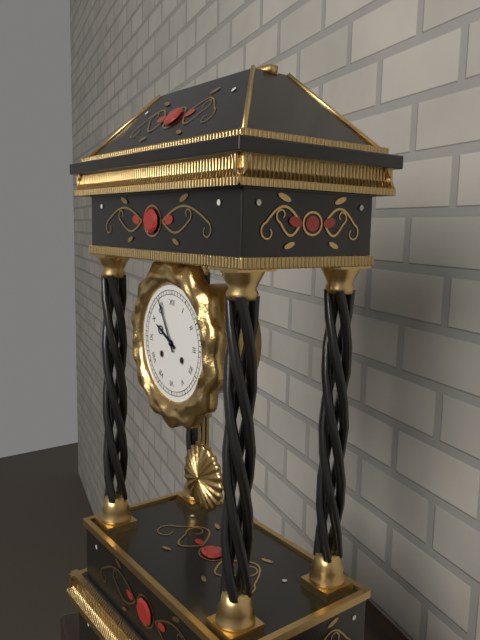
**9:55**
